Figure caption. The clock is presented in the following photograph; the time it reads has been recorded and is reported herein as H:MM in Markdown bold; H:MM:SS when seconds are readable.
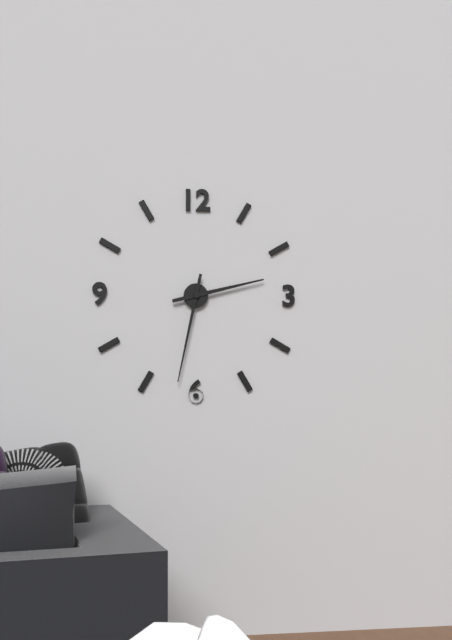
**2:32**
